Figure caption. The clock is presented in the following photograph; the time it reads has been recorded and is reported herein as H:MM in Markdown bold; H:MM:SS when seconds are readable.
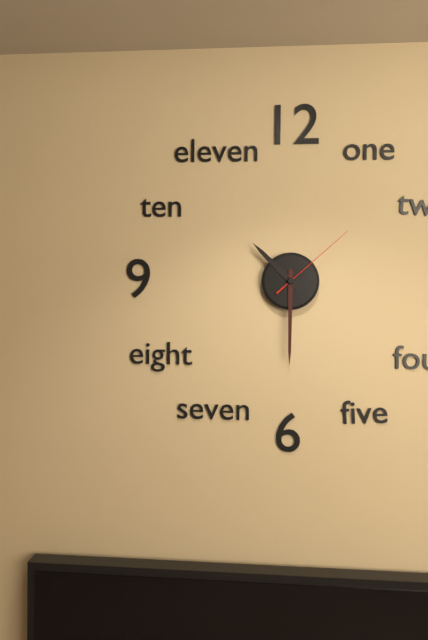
**10:30:08**
